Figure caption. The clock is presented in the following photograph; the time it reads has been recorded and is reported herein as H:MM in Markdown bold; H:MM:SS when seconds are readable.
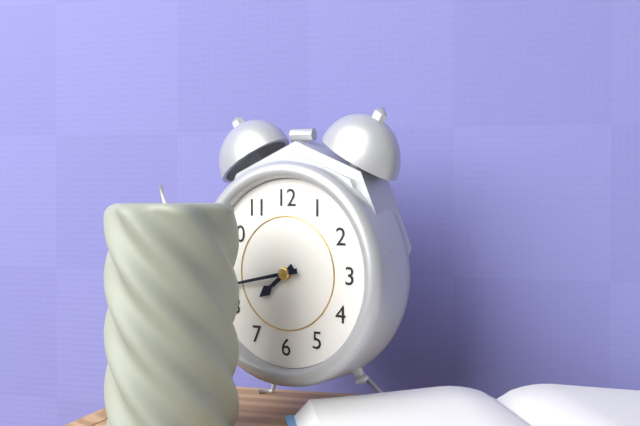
**7:43**
